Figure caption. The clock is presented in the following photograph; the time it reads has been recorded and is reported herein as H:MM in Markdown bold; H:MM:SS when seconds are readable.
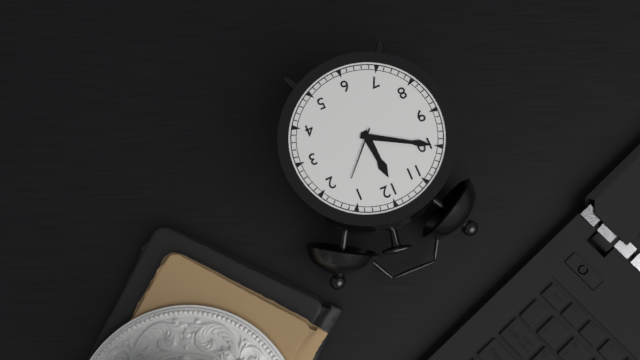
**11:50**
